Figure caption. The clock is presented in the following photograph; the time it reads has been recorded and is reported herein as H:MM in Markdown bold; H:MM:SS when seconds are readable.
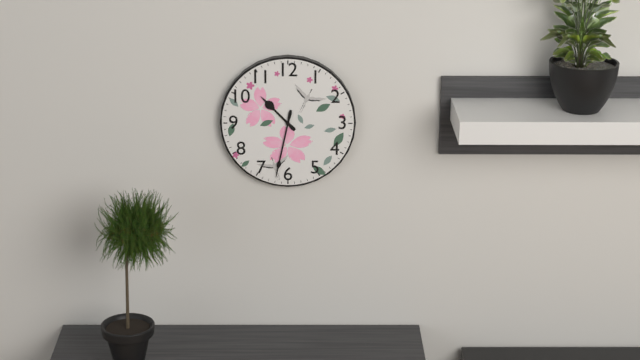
**10:32**
